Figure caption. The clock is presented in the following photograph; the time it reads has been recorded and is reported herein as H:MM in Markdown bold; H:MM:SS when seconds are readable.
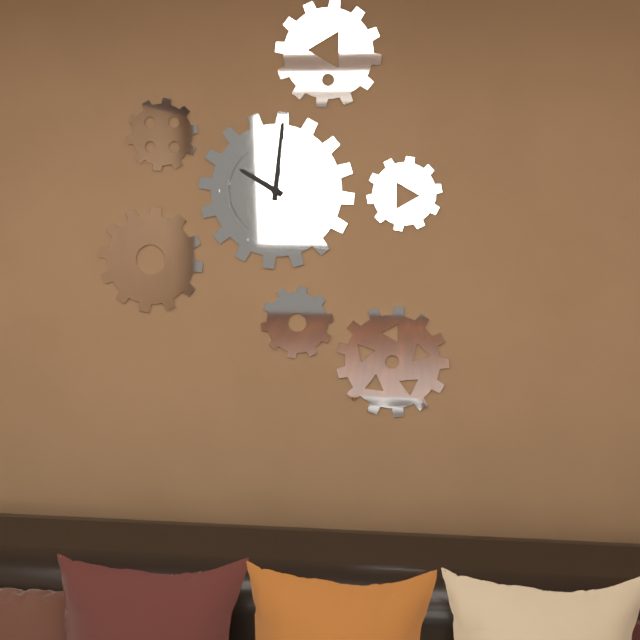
**10:01**
